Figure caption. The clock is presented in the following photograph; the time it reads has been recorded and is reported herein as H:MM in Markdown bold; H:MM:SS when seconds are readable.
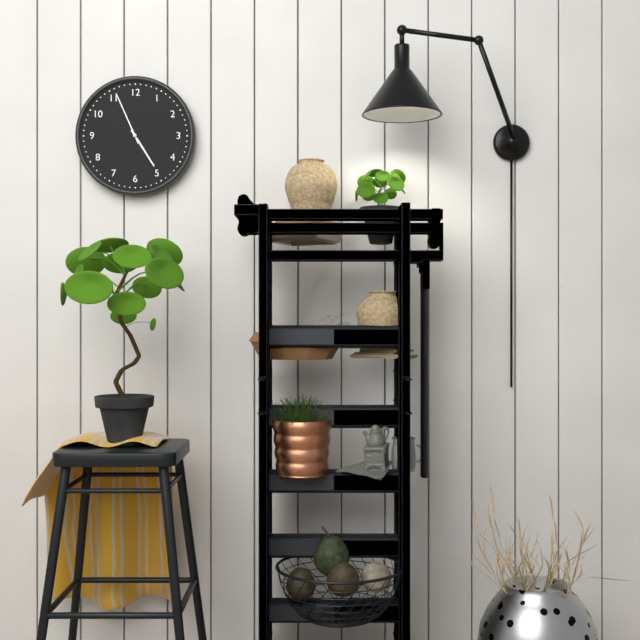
**4:56**
